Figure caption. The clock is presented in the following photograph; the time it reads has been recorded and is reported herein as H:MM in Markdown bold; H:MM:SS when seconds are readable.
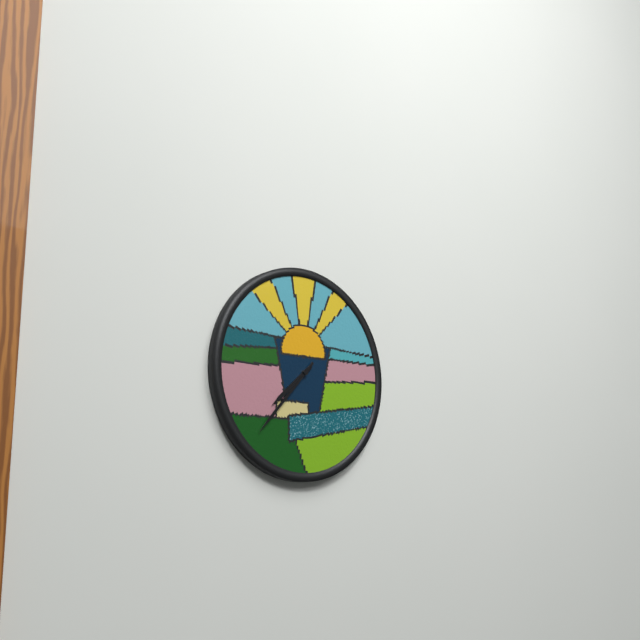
**7:37**
